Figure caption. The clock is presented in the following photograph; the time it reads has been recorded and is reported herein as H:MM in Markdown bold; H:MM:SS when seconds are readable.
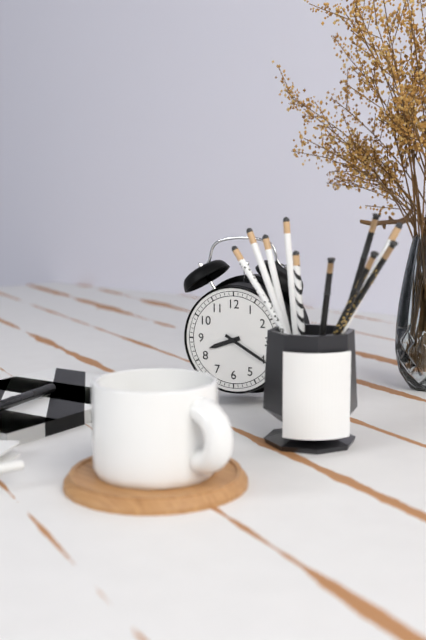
**8:20**
